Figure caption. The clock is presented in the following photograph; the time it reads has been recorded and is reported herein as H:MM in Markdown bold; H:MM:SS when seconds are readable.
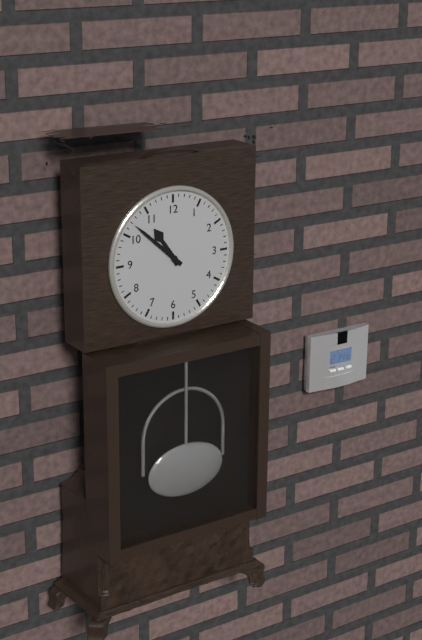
**10:52**
